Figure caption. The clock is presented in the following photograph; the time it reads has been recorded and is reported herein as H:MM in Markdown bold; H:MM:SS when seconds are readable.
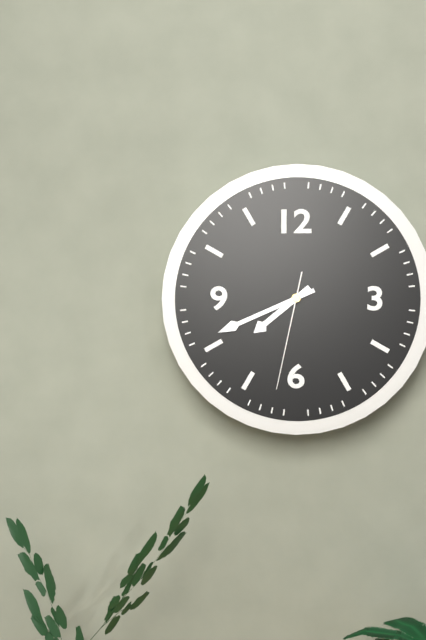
**7:41:32**
